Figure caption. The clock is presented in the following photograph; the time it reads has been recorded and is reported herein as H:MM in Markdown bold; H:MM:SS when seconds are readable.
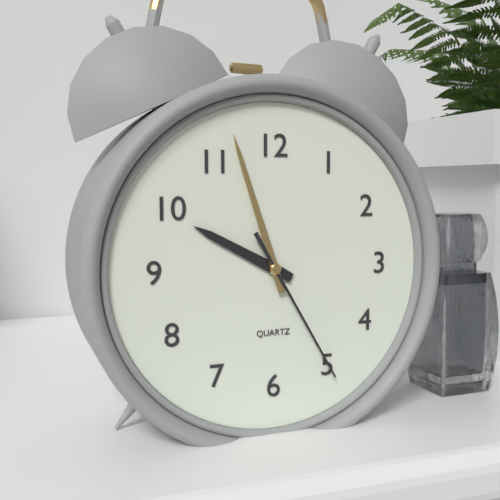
**9:57:25**
